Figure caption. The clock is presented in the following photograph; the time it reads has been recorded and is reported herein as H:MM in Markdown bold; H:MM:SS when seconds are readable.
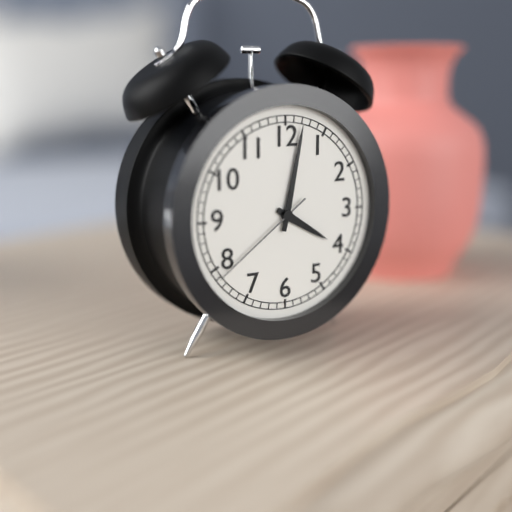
**4:02:39**
